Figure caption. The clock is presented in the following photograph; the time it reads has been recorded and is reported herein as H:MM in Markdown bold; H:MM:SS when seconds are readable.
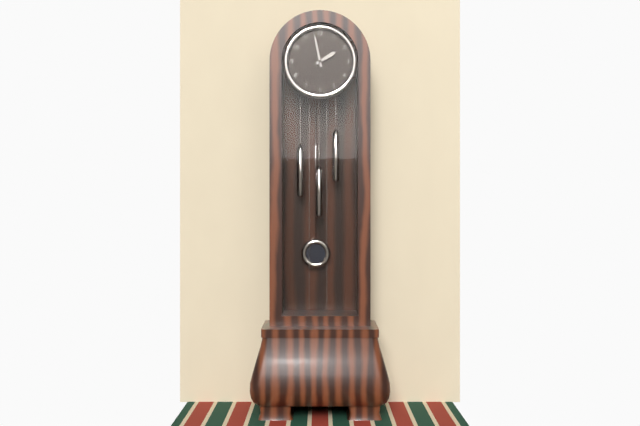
**1:58**
